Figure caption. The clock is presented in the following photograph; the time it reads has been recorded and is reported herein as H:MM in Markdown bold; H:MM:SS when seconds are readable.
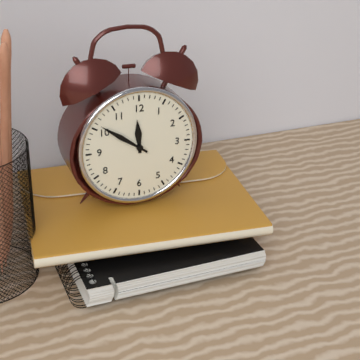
**11:51**
